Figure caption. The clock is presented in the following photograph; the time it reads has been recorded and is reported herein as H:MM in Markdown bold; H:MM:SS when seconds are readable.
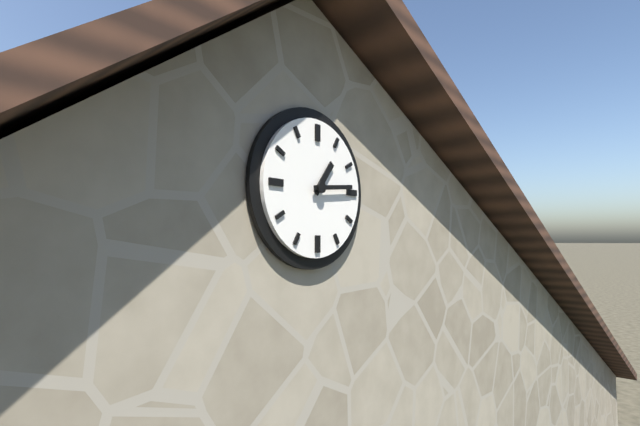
**1:14**
